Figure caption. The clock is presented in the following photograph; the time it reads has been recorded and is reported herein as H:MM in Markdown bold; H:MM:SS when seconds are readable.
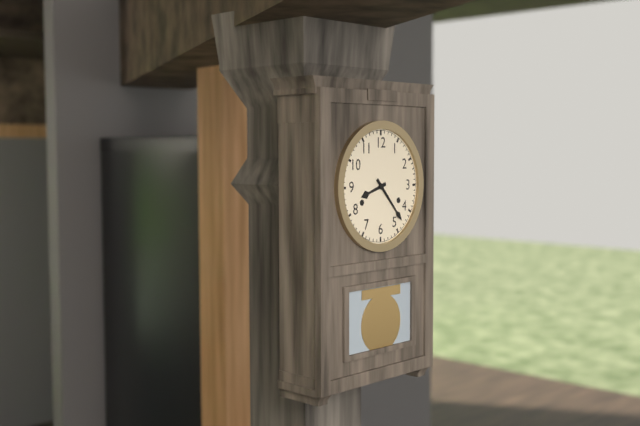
**8:23**
